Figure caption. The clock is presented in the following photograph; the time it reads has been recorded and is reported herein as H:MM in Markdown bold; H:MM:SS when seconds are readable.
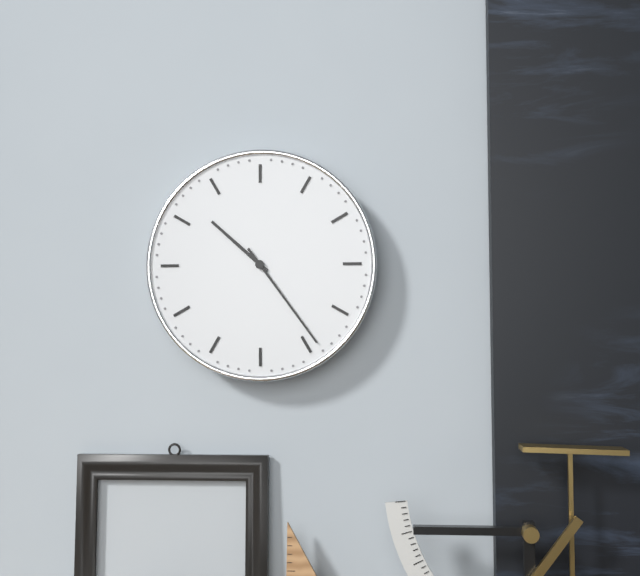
**10:24**
